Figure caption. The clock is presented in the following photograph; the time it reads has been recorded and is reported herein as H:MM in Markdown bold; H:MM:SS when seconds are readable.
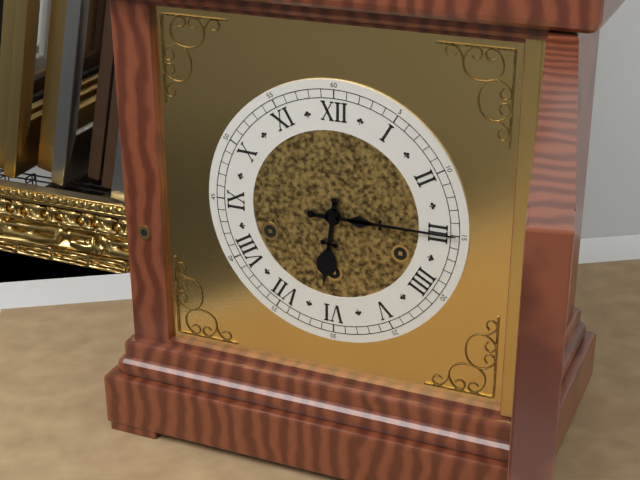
**6:15**
